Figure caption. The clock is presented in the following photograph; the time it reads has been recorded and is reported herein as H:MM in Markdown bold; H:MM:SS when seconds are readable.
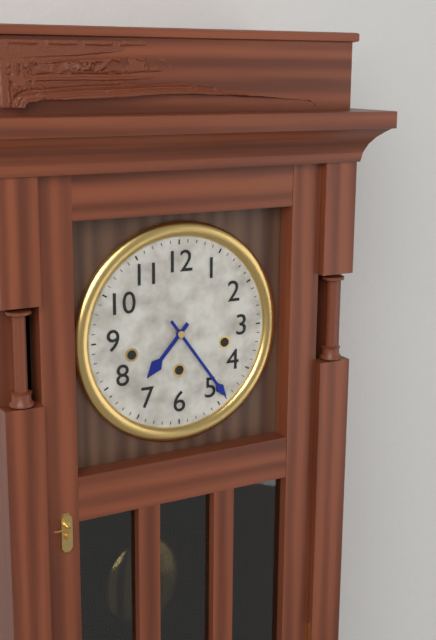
**7:24**
